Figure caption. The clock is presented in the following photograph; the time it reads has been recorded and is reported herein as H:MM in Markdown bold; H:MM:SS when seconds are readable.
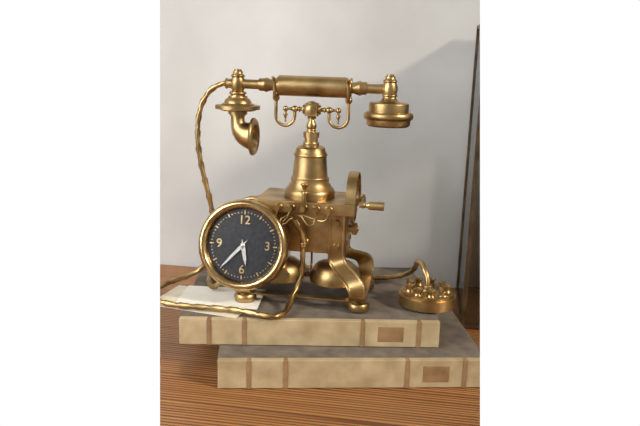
**5:37**
